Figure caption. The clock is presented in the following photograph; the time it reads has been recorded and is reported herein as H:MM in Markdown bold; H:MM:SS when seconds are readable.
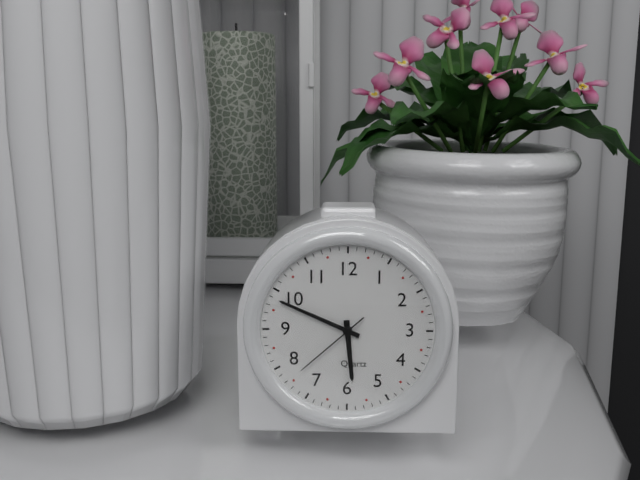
**5:49:38**
